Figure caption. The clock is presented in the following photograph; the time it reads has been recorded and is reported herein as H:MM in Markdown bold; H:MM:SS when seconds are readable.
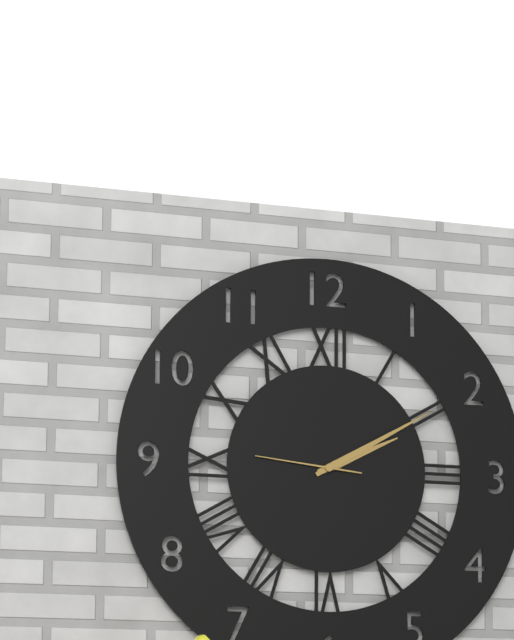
**2:10:46**
